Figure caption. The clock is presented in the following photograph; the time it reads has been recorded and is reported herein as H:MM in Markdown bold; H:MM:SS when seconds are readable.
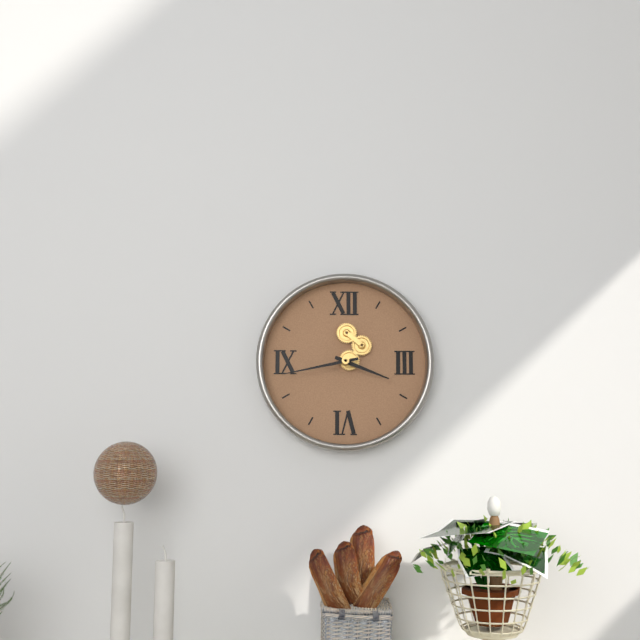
**3:43**
